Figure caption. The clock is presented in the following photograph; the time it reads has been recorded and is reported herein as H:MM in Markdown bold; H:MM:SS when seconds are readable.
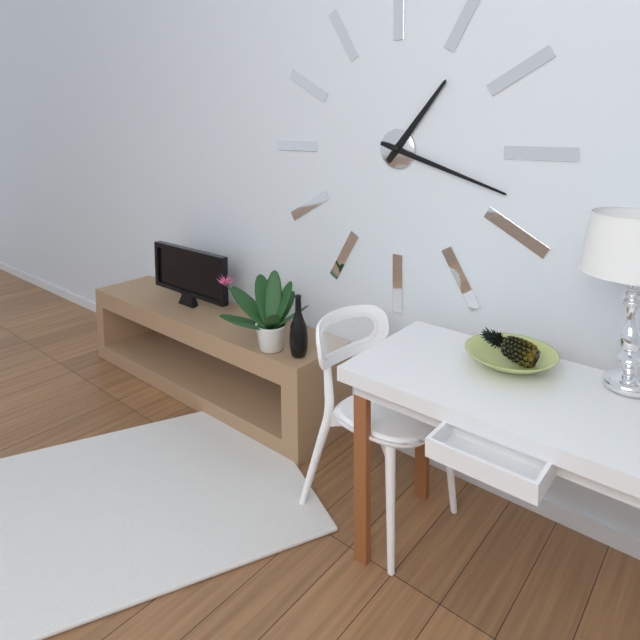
**1:18**
